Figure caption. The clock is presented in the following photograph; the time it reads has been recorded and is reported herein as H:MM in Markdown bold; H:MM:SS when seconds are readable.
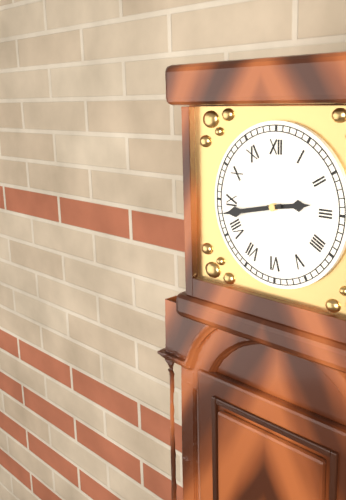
**2:43**
